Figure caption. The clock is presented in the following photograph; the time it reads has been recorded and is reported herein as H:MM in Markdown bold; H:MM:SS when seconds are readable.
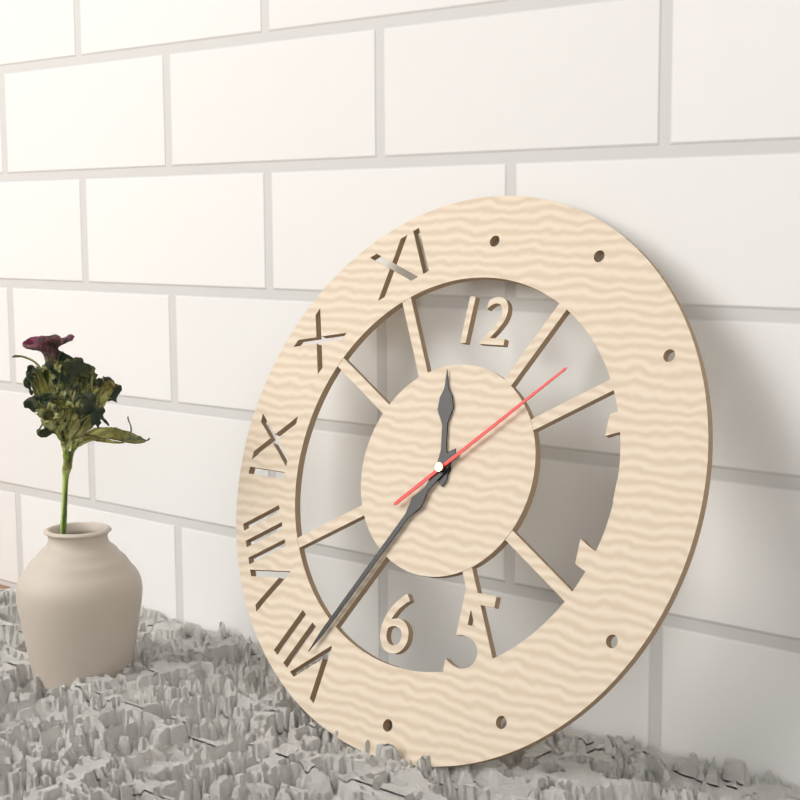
**11:35:08**
